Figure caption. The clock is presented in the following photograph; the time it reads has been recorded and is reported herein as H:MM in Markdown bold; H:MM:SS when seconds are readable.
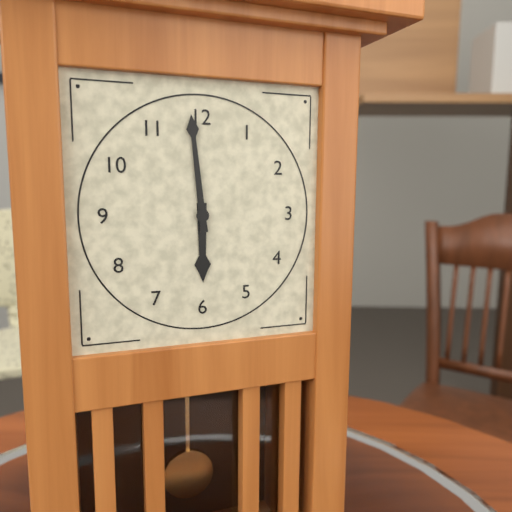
**5:59**
